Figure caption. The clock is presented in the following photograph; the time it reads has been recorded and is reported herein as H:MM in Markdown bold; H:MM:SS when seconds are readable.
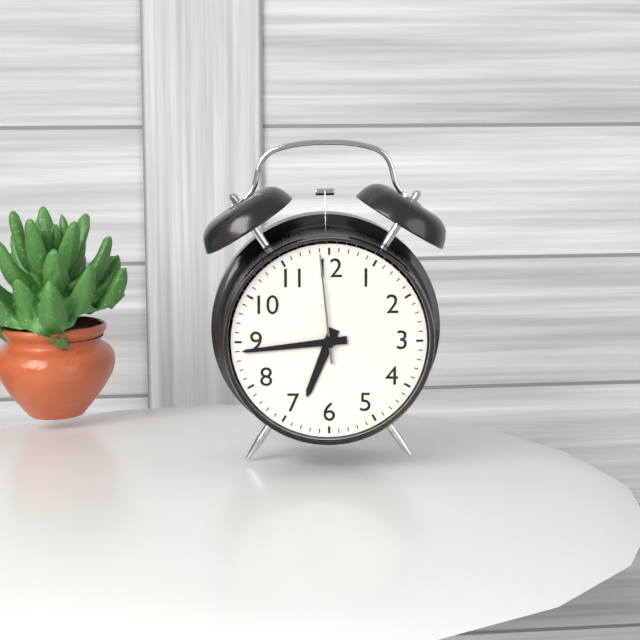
**6:44:59**
